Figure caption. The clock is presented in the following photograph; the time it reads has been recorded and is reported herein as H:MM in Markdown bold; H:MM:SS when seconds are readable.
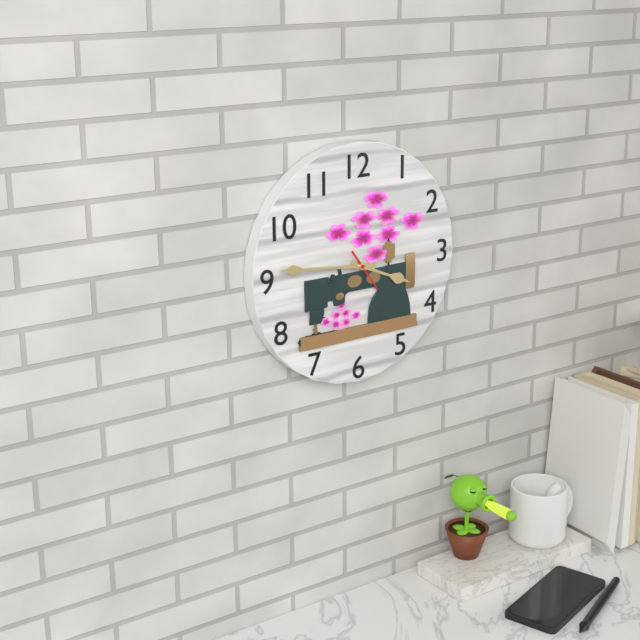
**3:46**
